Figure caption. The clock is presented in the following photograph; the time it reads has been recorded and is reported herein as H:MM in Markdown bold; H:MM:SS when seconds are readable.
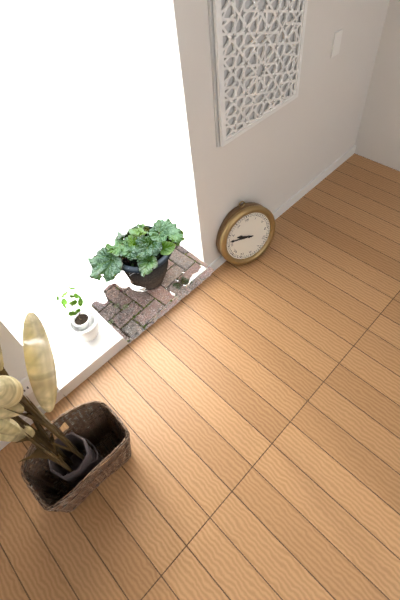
**9:47**
